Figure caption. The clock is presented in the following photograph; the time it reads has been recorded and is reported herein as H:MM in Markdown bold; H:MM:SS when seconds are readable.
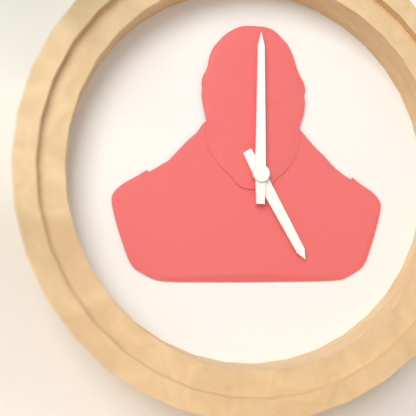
**5:00**
